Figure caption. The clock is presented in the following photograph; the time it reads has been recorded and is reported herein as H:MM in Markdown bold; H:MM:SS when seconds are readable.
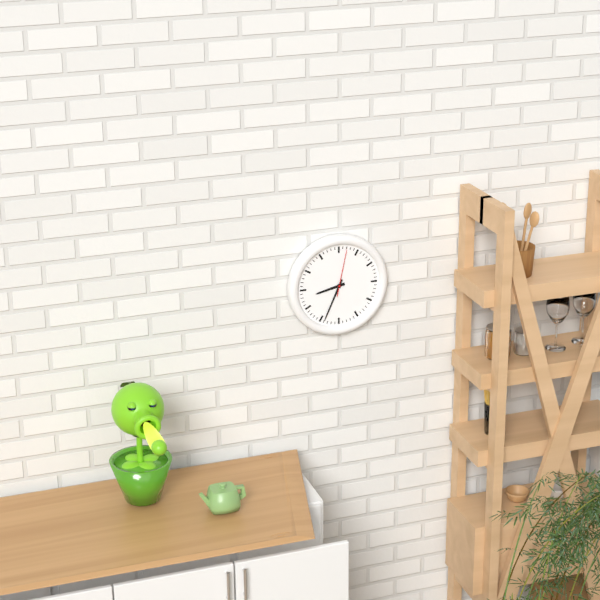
**8:34**
